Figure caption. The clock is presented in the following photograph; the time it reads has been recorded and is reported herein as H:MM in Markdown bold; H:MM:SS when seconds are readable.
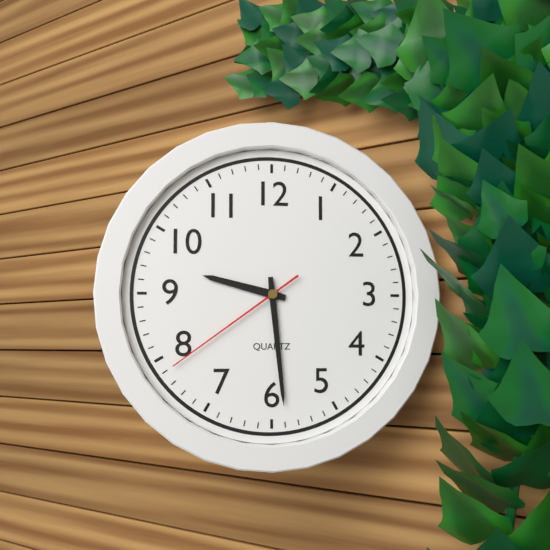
**9:29:39**
